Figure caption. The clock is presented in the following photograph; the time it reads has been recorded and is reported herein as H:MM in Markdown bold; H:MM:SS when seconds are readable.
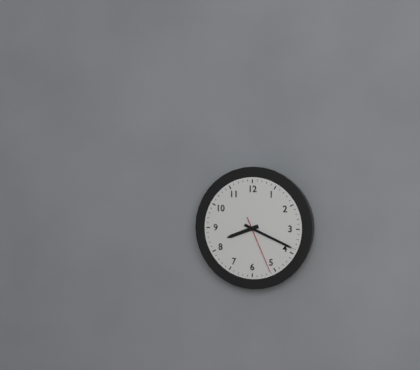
**8:19:26**
